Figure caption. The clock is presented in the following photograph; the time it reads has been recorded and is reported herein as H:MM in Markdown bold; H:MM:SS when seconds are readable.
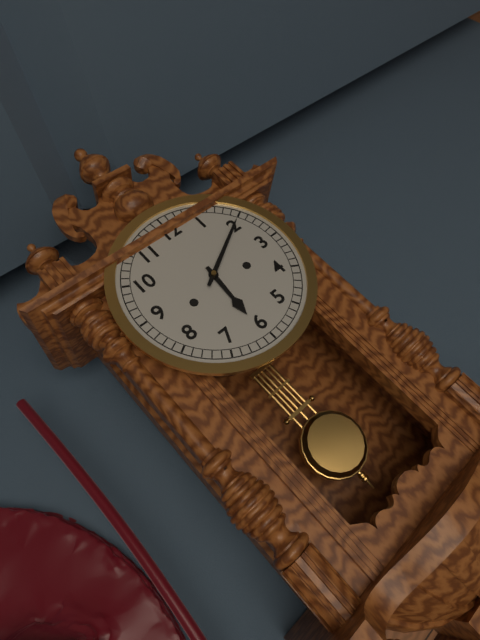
**6:10**
